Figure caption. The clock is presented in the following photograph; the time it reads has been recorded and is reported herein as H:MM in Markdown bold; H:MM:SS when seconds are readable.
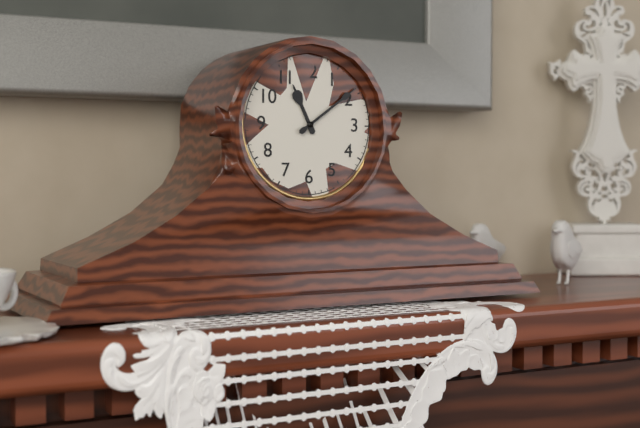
**11:09**
